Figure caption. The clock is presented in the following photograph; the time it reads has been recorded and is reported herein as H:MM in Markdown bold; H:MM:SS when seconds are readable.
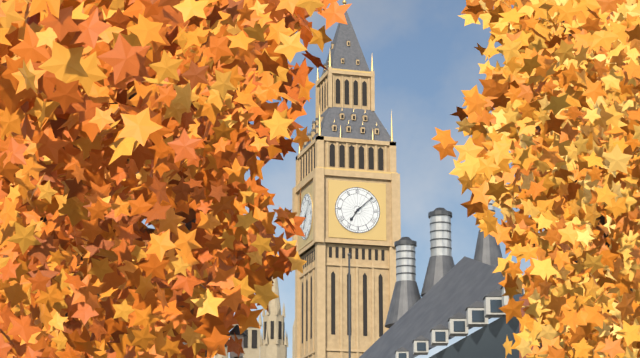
**7:08**
